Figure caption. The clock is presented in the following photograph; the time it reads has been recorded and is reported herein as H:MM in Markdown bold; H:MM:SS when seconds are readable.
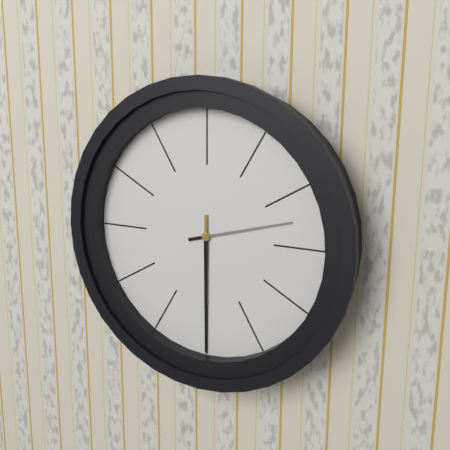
**2:30**
